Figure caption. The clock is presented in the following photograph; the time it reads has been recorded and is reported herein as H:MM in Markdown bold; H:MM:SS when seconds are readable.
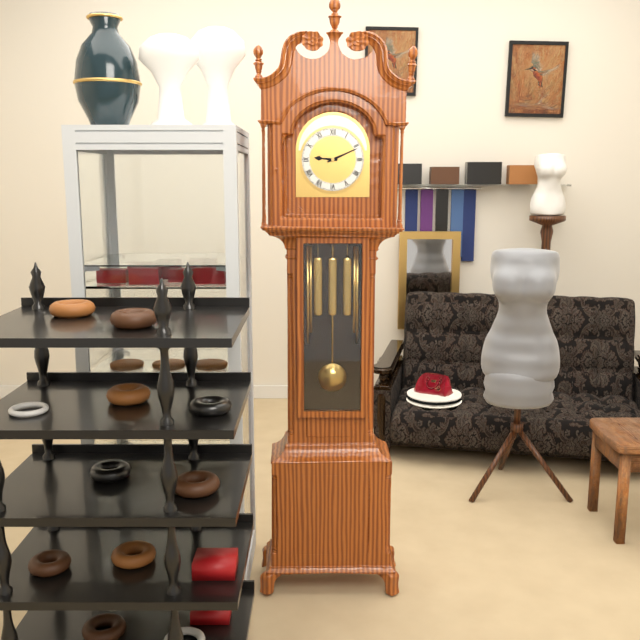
**9:11**
